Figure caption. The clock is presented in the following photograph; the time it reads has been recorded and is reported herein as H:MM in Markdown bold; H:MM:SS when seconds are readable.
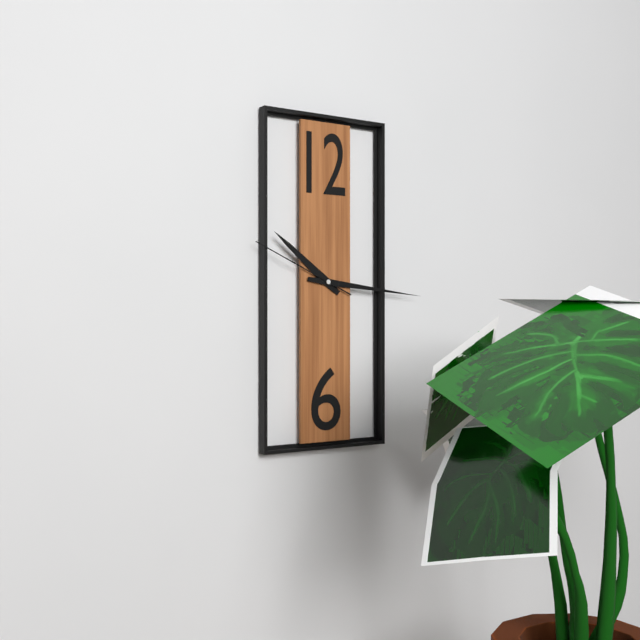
**10:16:49**
